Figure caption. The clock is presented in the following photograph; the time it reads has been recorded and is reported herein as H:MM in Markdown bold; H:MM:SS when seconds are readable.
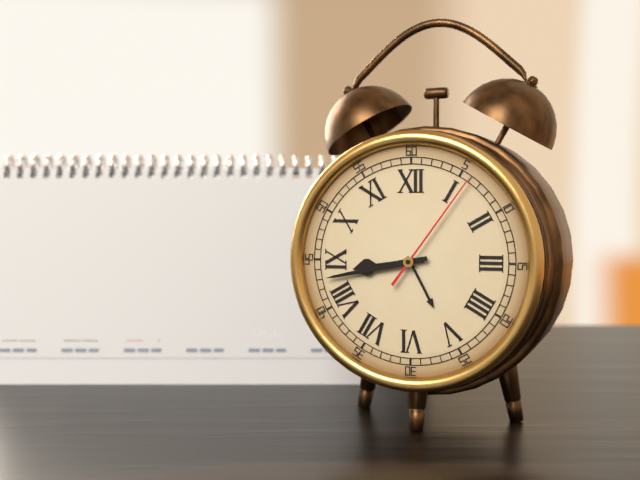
**8:43:06**
